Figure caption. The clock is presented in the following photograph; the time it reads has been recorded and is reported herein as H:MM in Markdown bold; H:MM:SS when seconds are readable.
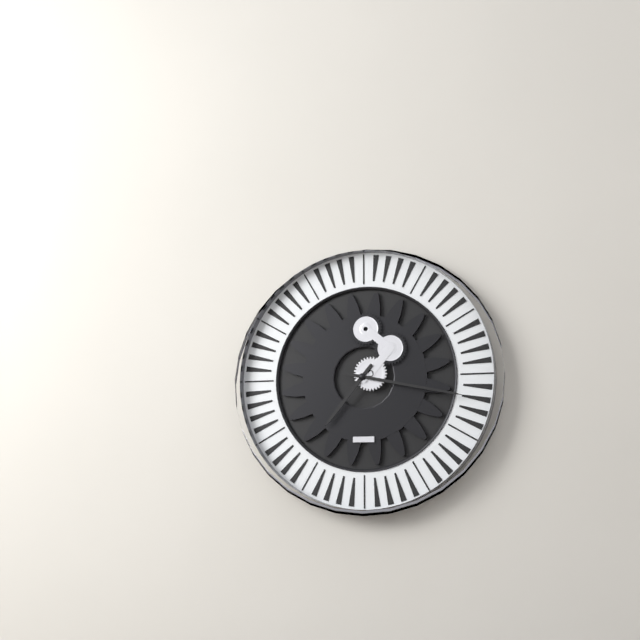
**7:17**
